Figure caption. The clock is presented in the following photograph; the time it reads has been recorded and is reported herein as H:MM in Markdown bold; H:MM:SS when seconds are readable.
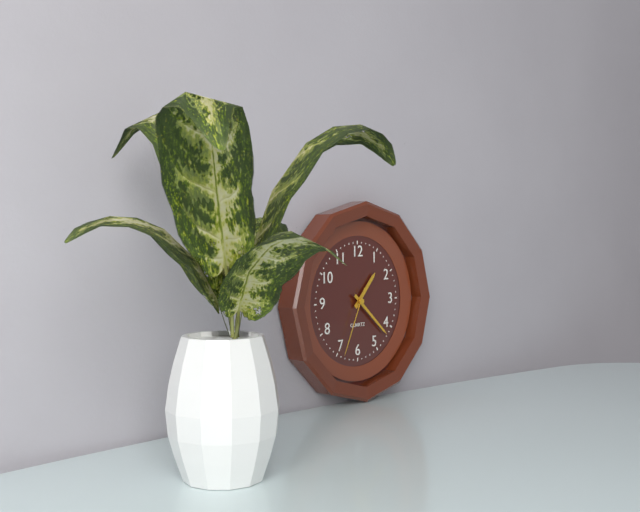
**1:22:34**
